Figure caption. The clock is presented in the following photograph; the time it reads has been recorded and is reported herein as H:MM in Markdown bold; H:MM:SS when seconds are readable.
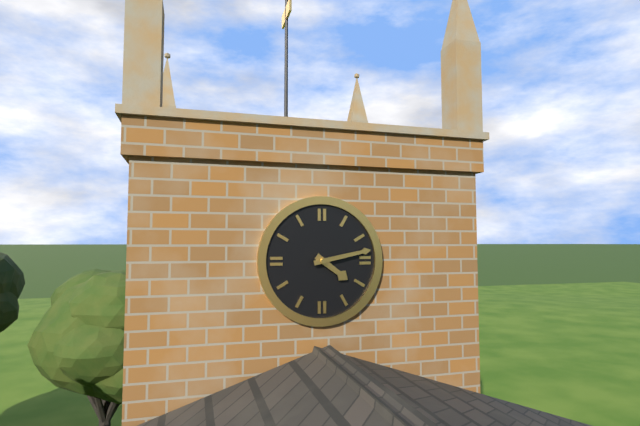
**4:13**
